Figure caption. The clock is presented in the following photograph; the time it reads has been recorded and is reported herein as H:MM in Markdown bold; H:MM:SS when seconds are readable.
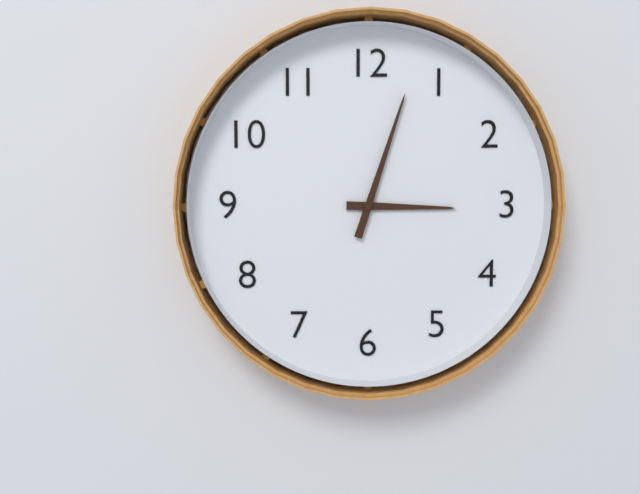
**3:03**
